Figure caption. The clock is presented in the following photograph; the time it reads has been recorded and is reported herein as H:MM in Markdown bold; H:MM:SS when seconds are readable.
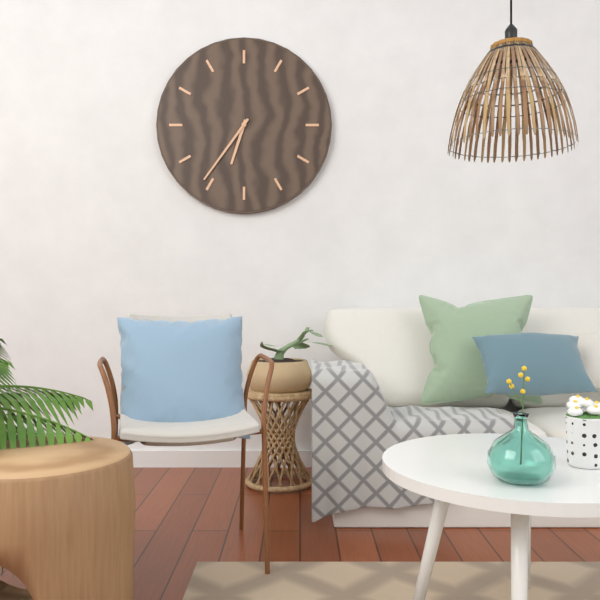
**6:36**
